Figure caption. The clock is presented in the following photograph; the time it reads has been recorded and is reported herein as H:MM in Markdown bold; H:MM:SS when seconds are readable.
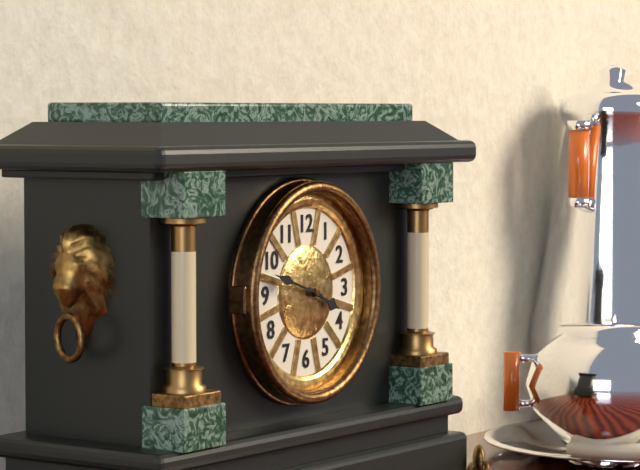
**3:48**
